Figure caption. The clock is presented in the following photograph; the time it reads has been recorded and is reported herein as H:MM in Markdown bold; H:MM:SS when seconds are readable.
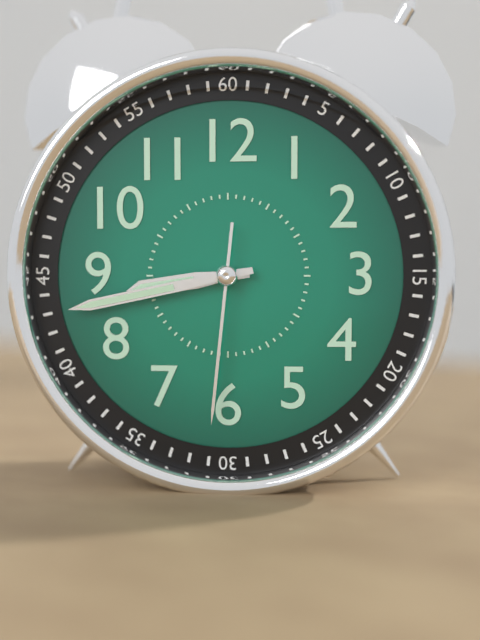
**8:43:31**
